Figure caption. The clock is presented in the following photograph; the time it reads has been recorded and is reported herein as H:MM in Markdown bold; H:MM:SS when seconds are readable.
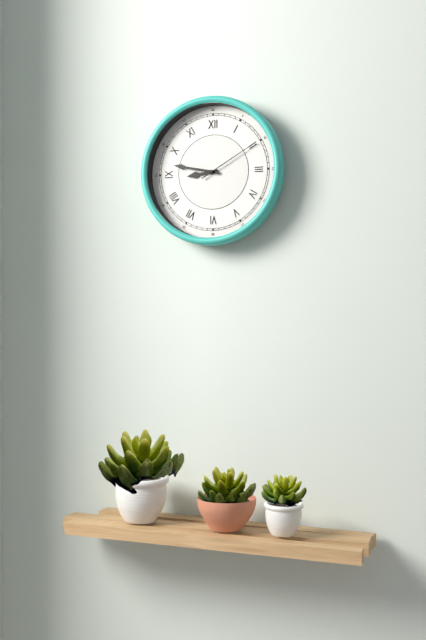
**8:47:10**
